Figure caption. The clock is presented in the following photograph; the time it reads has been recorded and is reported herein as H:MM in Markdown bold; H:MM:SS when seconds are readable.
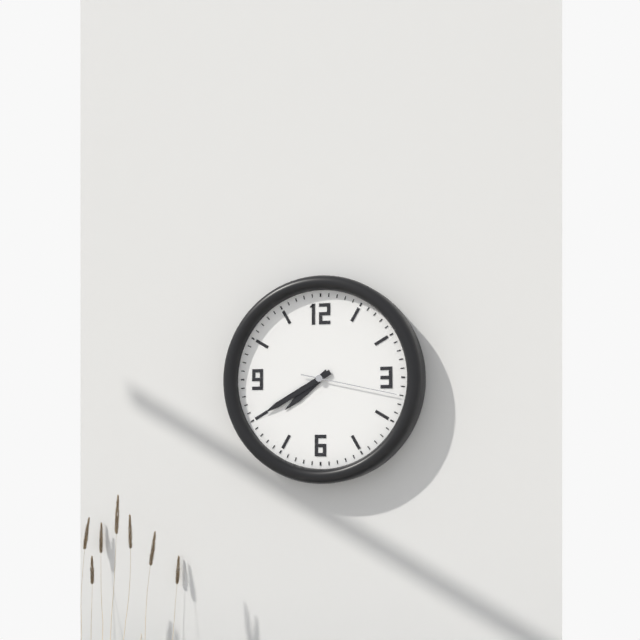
**7:40:17**
